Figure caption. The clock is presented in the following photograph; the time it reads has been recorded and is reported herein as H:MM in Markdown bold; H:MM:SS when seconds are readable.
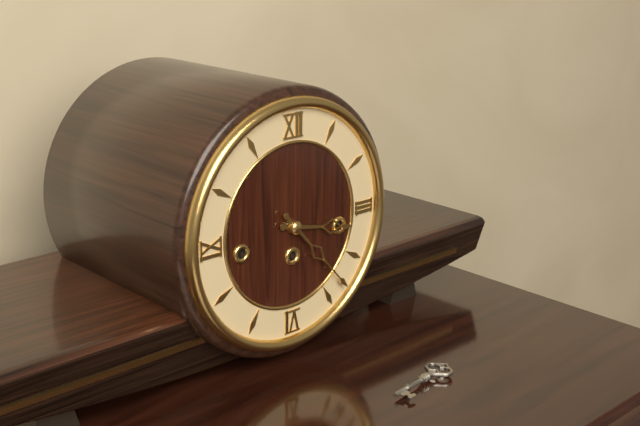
**3:23**
